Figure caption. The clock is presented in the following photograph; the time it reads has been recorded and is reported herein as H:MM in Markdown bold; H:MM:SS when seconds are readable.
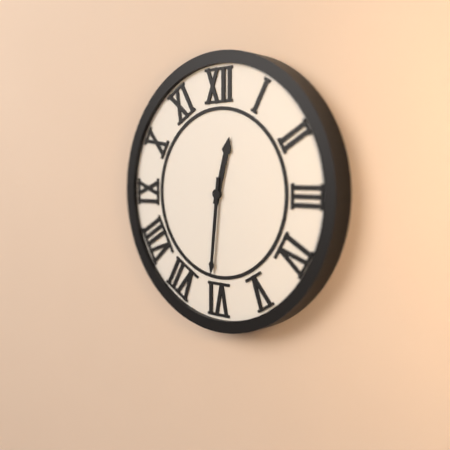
**12:31**
